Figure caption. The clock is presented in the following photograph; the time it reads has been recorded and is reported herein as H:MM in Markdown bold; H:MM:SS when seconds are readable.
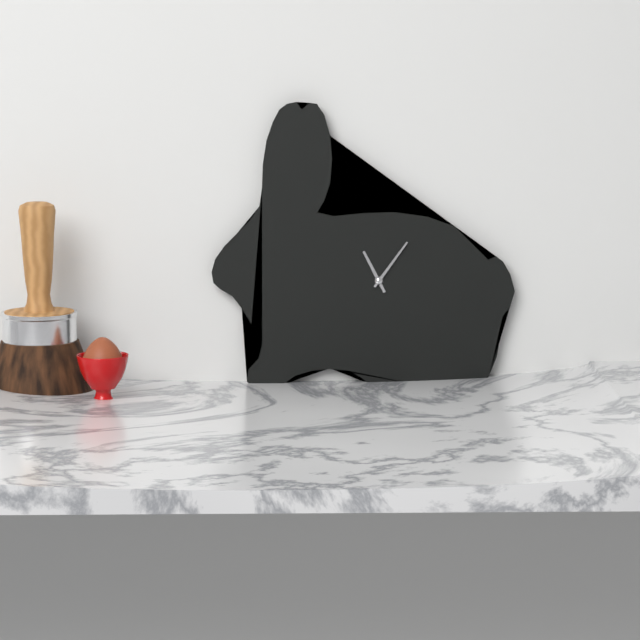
**11:06**
